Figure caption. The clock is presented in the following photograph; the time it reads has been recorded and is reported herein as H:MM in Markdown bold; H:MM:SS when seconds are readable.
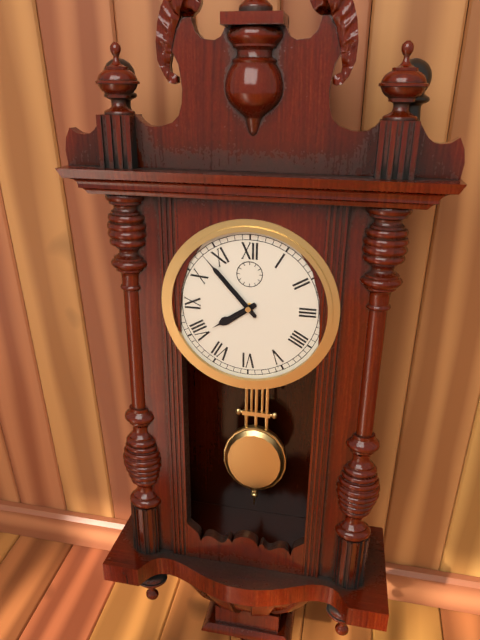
**7:53**
